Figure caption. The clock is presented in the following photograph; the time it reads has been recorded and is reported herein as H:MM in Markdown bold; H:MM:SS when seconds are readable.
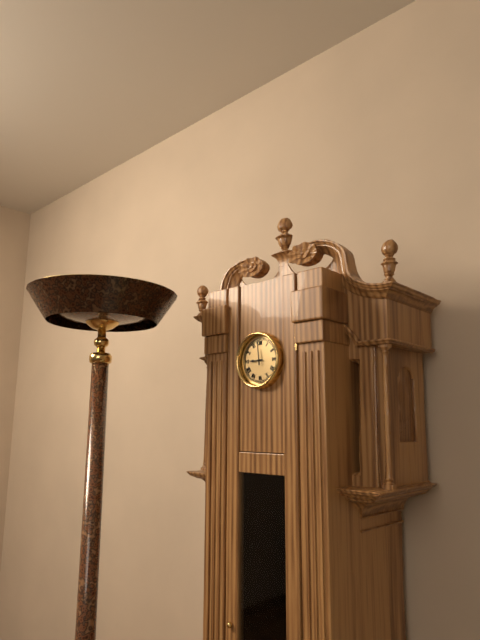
**8:59**
